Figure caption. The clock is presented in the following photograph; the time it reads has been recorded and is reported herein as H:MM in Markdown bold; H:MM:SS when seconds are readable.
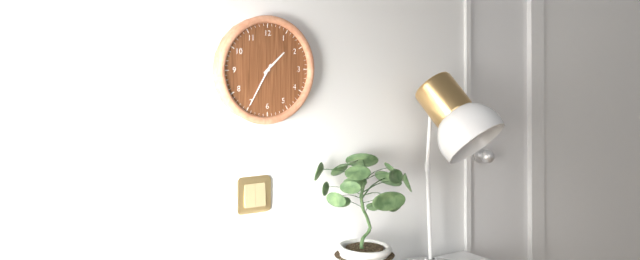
**1:35**
